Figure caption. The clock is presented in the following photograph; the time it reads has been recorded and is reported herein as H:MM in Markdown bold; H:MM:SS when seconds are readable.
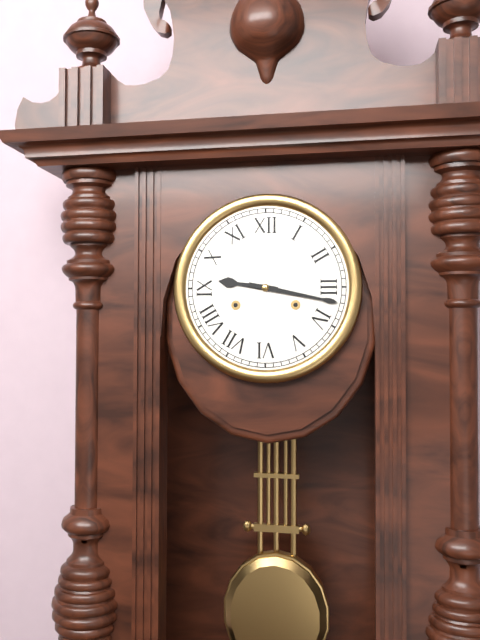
**9:17**
